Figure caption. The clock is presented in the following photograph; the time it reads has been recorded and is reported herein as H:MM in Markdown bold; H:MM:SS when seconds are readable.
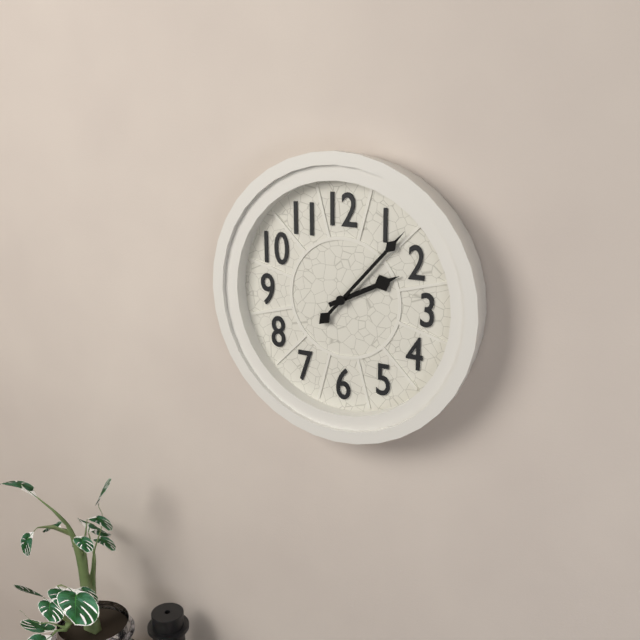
**2:07**
